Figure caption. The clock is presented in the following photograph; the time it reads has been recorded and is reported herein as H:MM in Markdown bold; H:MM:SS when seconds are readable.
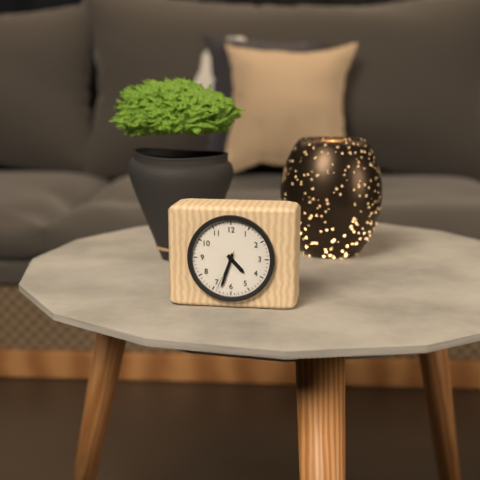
**4:33**
